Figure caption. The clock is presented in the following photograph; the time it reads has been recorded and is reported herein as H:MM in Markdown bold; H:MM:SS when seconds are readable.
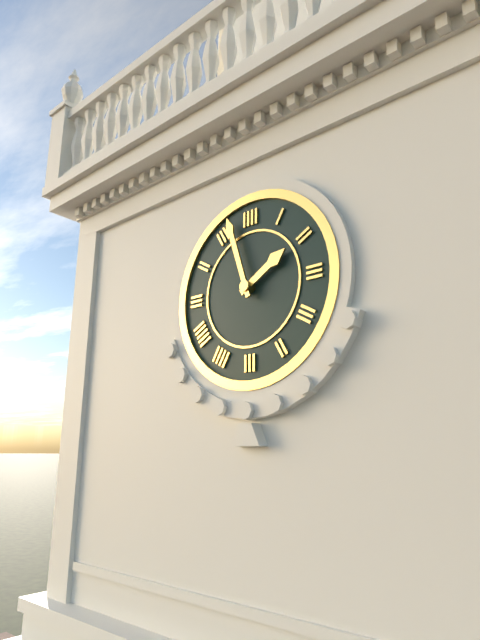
**1:57**
